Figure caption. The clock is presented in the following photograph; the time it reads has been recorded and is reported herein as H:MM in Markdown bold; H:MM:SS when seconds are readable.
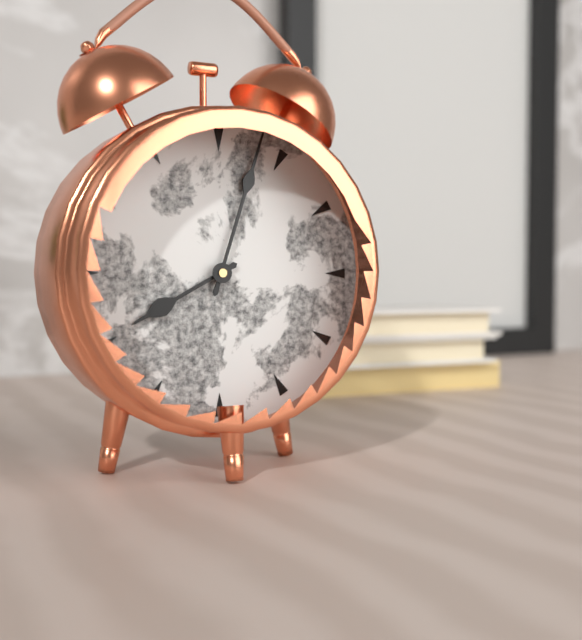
**8:03**
